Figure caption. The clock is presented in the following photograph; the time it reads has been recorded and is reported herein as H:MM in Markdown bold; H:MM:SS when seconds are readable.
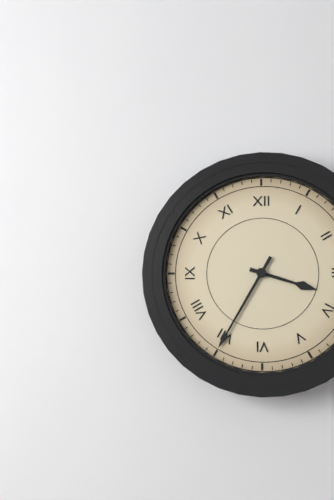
**3:35**
